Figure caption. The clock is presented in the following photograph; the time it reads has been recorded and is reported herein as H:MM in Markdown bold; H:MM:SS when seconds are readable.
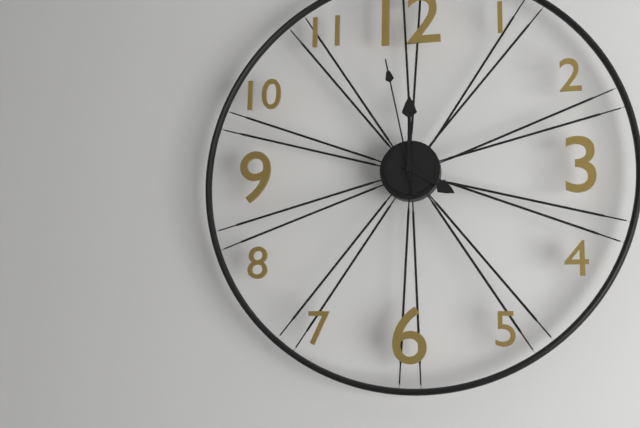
**4:00:58**
